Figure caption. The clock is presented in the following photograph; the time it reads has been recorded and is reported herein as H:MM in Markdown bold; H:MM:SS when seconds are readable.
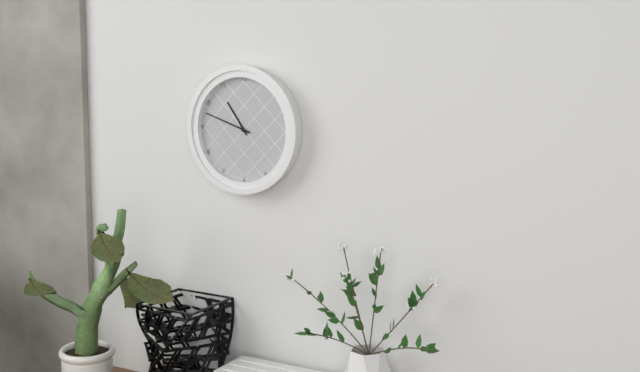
**10:48**
